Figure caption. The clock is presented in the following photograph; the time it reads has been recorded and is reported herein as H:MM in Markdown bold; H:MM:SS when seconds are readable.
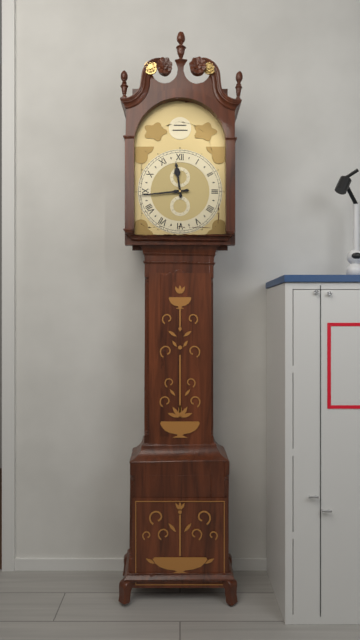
**11:44**
